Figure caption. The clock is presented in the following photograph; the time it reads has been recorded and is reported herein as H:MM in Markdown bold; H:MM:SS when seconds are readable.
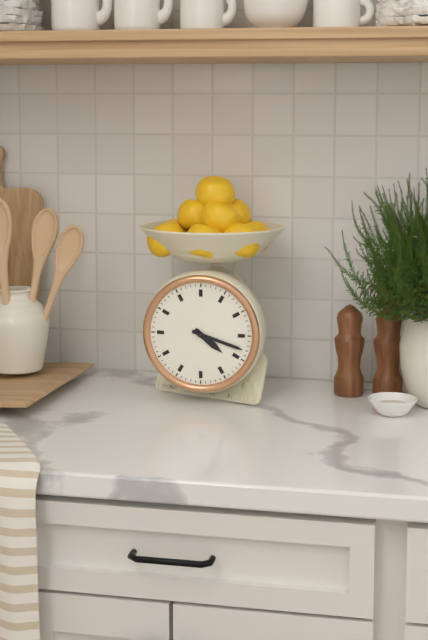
**4:18**
